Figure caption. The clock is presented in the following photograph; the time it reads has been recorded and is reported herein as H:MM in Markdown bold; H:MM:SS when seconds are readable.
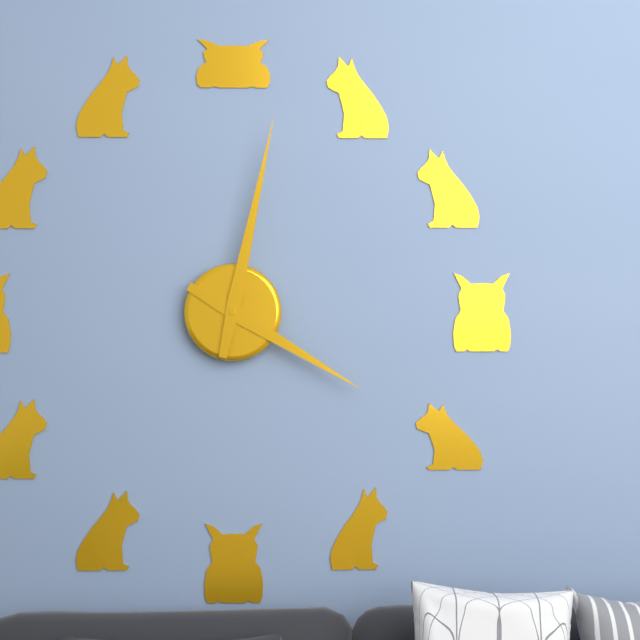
**4:02**
